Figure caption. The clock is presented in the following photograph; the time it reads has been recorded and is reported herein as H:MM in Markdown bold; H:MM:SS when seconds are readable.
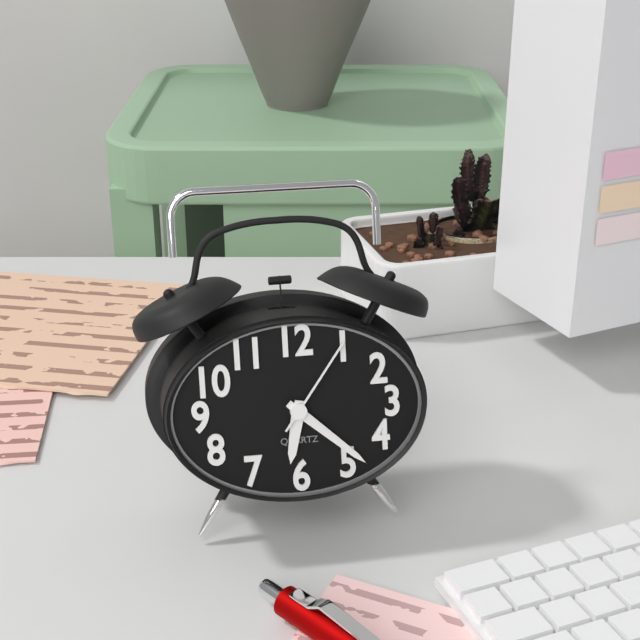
**6:22:06**
